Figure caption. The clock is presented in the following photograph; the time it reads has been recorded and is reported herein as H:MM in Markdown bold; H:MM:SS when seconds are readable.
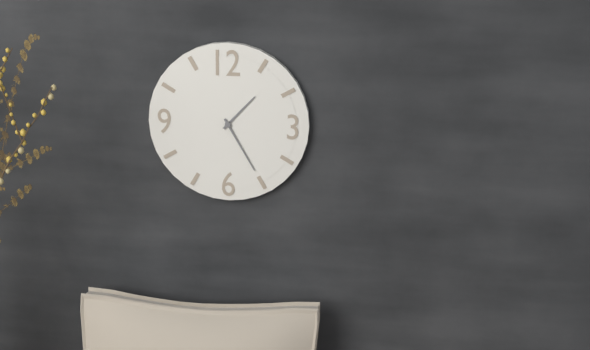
**1:25**
